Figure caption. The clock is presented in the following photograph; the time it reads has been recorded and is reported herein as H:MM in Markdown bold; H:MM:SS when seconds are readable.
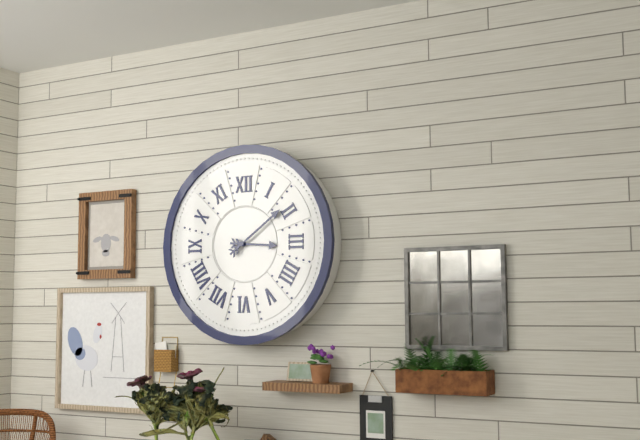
**3:09**
